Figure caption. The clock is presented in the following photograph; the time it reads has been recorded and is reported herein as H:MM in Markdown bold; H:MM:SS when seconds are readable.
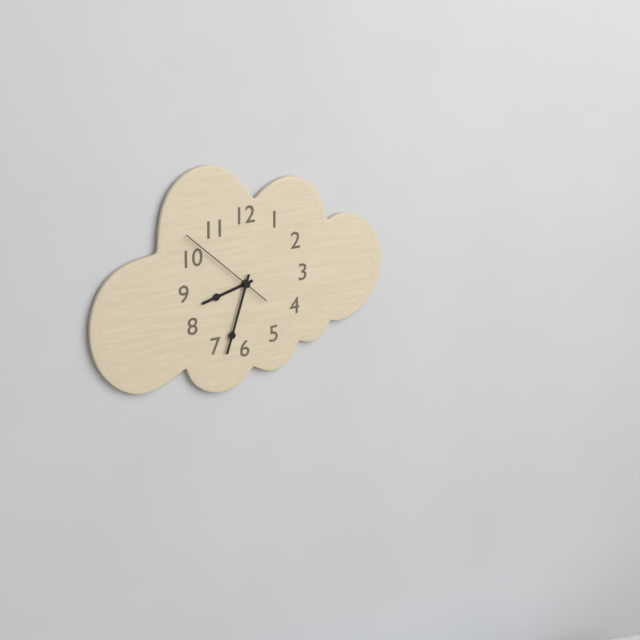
**8:33:52**
